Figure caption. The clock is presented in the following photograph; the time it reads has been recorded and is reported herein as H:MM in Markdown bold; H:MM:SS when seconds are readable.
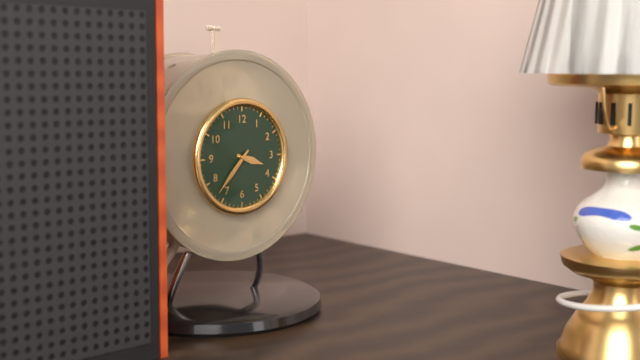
**3:37**
